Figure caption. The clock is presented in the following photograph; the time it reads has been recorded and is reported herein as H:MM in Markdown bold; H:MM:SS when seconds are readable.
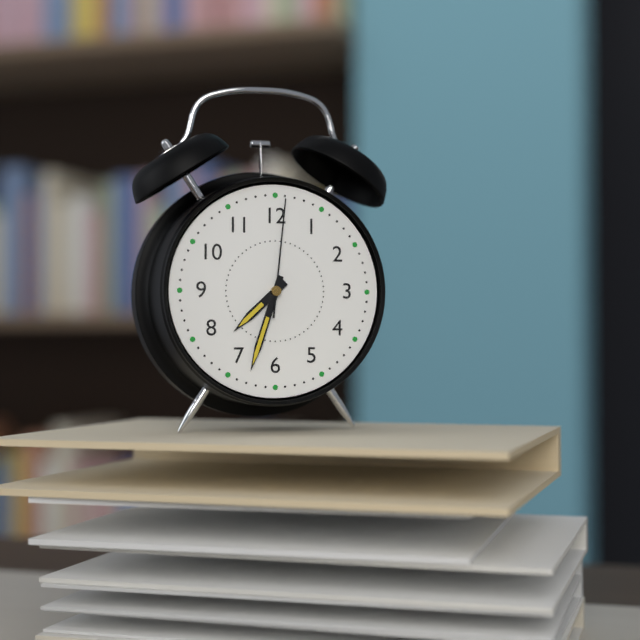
**7:33:01**
